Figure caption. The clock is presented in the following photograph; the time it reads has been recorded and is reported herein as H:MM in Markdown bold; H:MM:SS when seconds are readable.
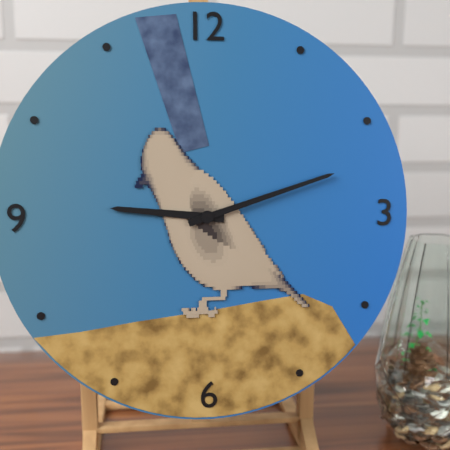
**9:12**
